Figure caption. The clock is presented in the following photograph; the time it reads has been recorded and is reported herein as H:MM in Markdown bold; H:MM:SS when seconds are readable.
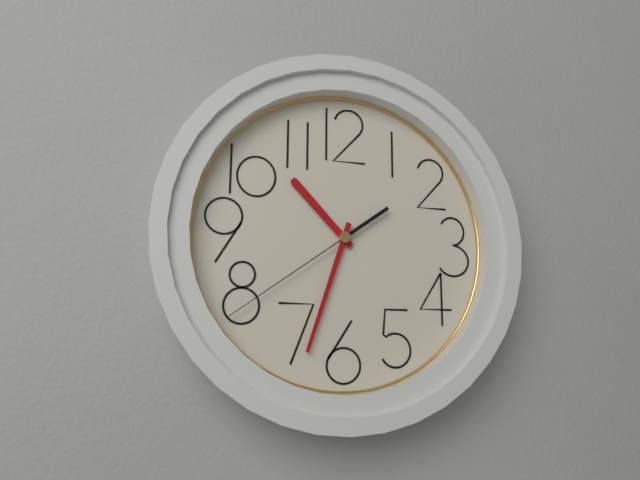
**10:33:39**
